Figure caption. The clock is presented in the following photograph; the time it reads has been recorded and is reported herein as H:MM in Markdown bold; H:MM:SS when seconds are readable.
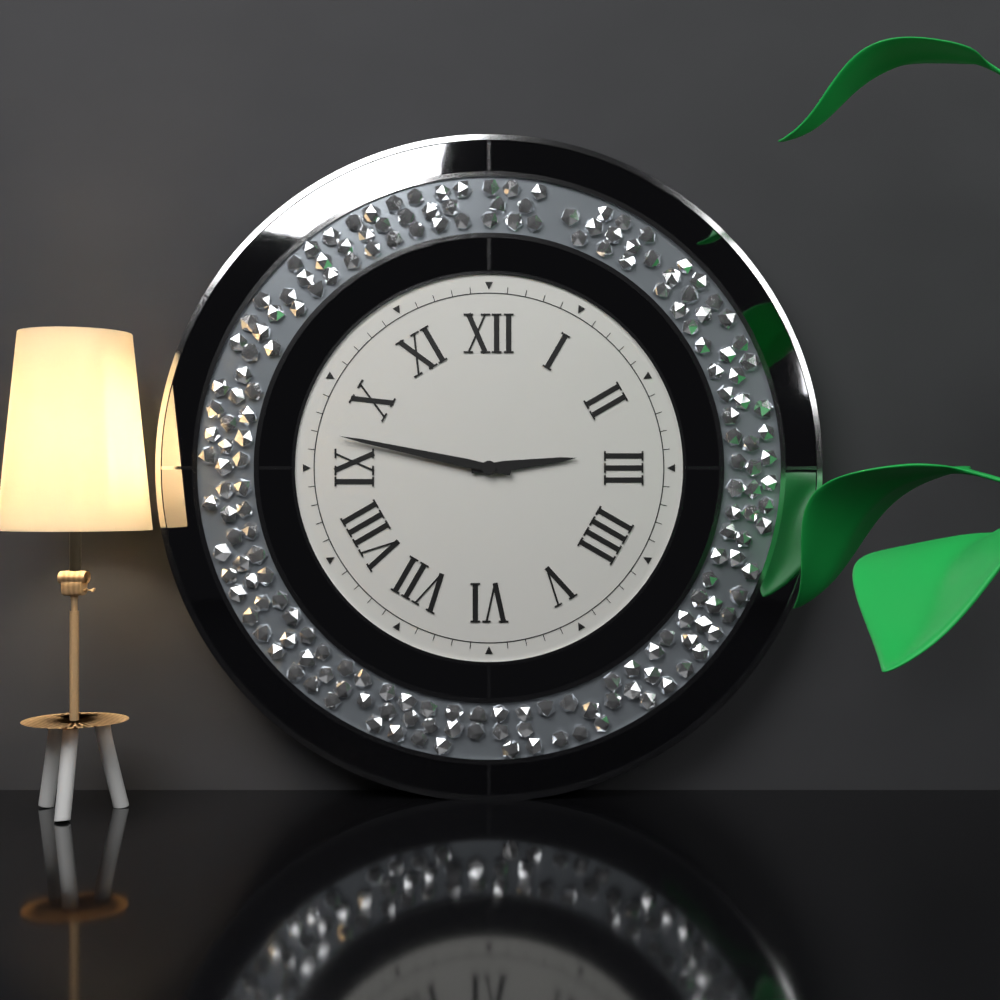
**2:47**
